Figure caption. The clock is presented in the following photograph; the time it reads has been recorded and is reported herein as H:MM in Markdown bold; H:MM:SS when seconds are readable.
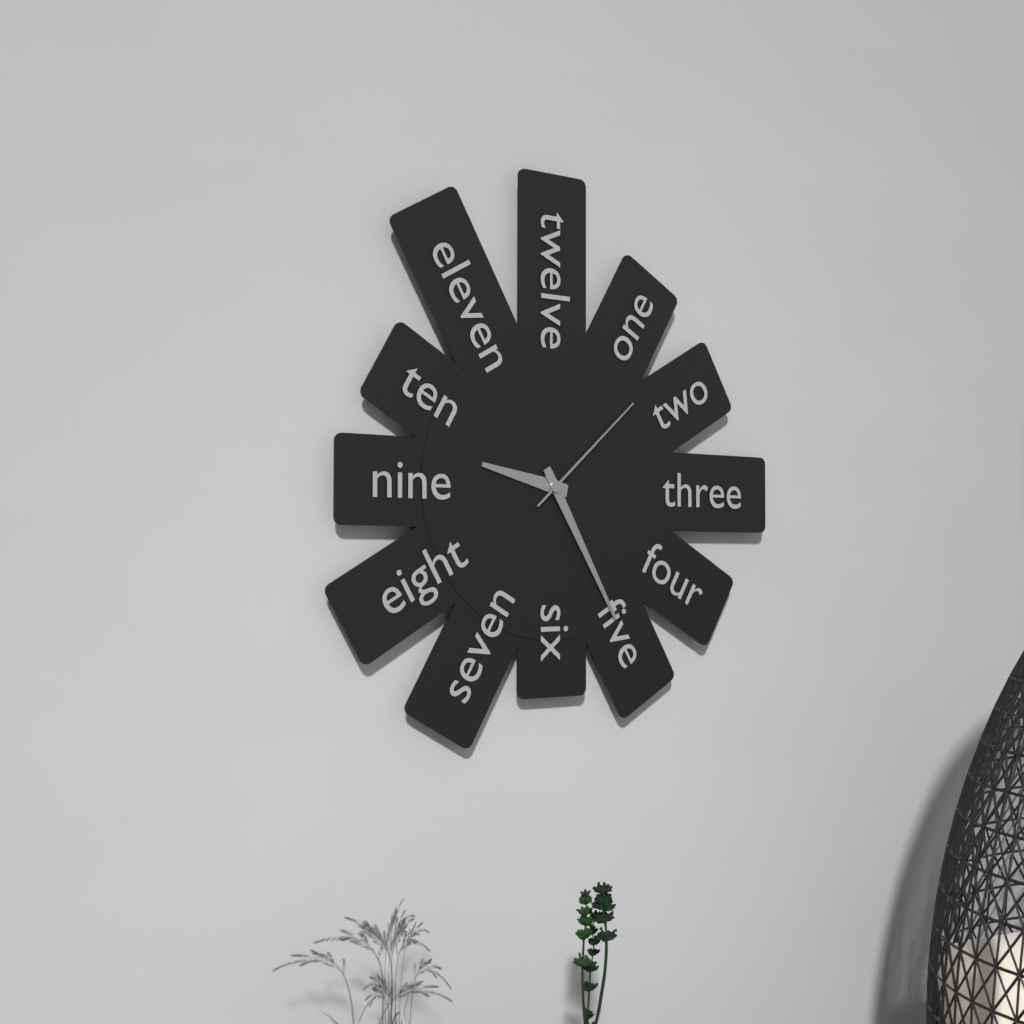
**9:25:08**
